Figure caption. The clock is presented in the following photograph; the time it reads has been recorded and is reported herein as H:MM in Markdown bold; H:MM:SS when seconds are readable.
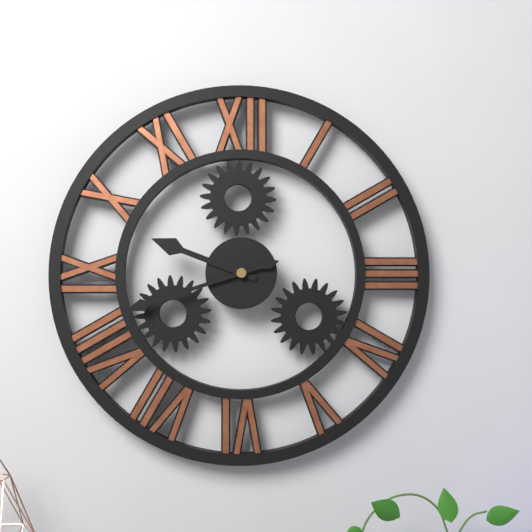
**9:42**
